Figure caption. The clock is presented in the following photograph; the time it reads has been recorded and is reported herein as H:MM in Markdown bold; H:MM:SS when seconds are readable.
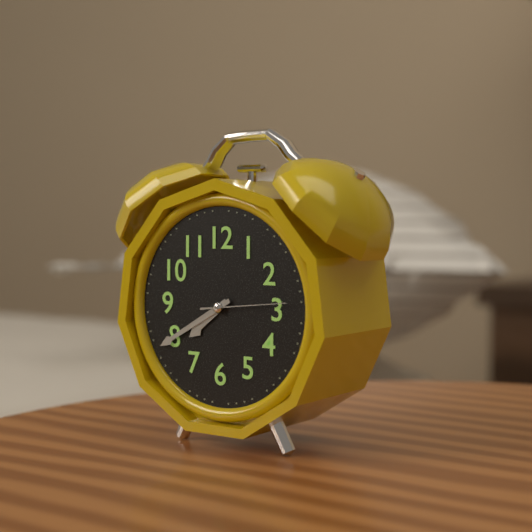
**7:40:14**
